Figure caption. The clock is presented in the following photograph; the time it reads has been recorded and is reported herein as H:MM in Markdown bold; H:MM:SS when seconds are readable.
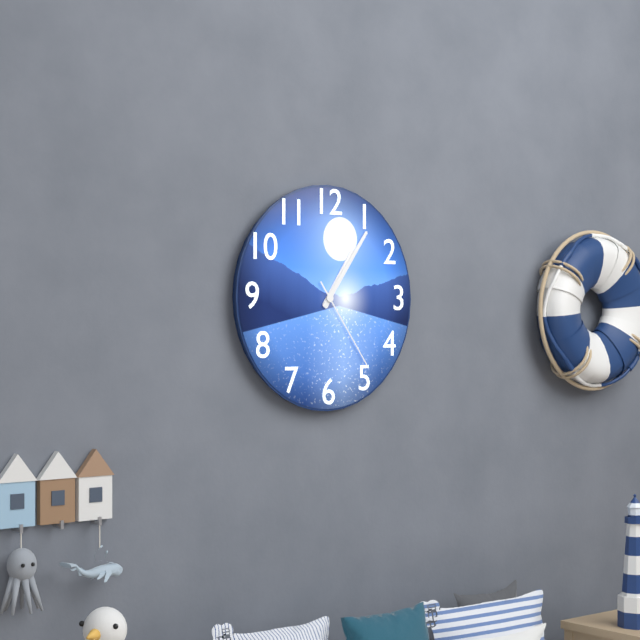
**1:06:24**
